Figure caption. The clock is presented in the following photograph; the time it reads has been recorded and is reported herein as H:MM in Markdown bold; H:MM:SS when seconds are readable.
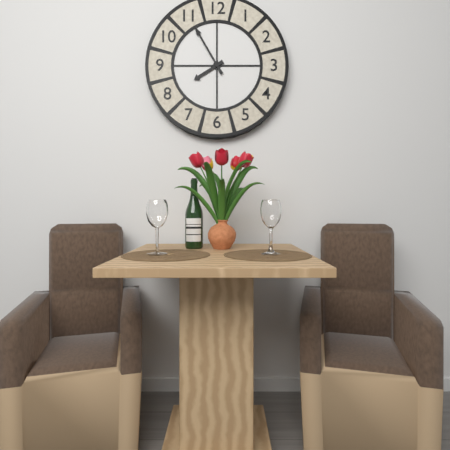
**7:55**
